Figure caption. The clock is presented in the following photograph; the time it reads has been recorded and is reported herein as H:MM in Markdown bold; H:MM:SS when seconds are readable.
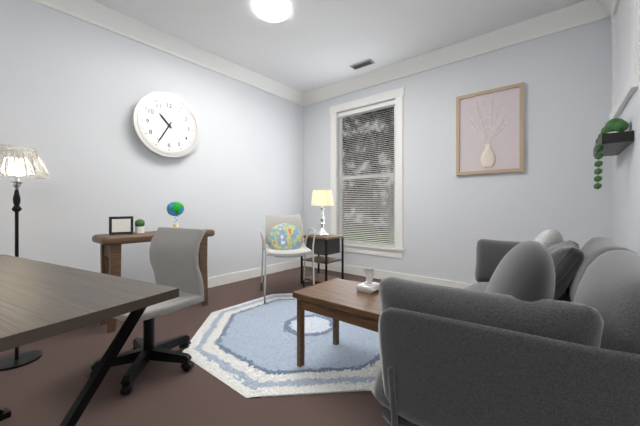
**10:35**
